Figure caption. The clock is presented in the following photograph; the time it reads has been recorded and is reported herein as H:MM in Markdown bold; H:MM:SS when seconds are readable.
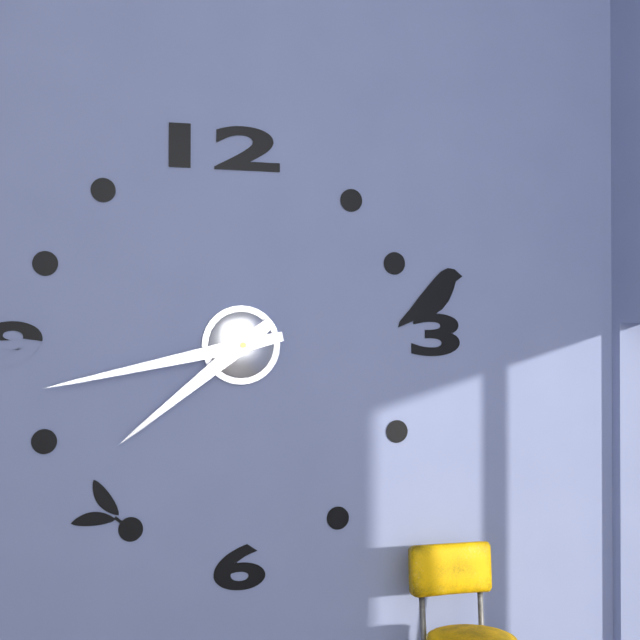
**7:43**
